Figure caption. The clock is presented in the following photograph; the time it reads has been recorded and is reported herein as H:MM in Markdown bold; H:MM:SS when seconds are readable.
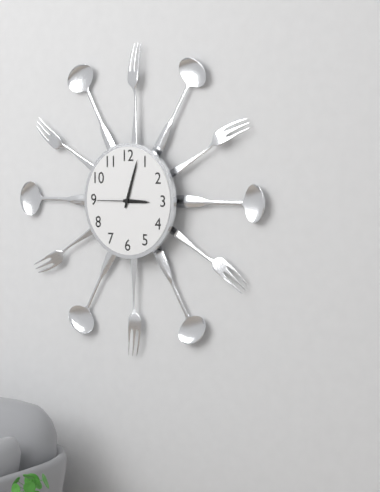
**3:03**
